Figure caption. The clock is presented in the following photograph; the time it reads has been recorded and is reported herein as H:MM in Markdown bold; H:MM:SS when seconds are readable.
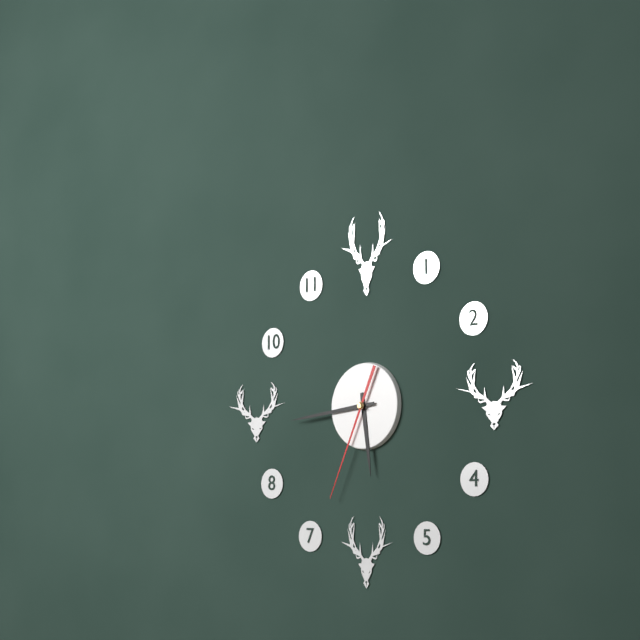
**5:44:34**
